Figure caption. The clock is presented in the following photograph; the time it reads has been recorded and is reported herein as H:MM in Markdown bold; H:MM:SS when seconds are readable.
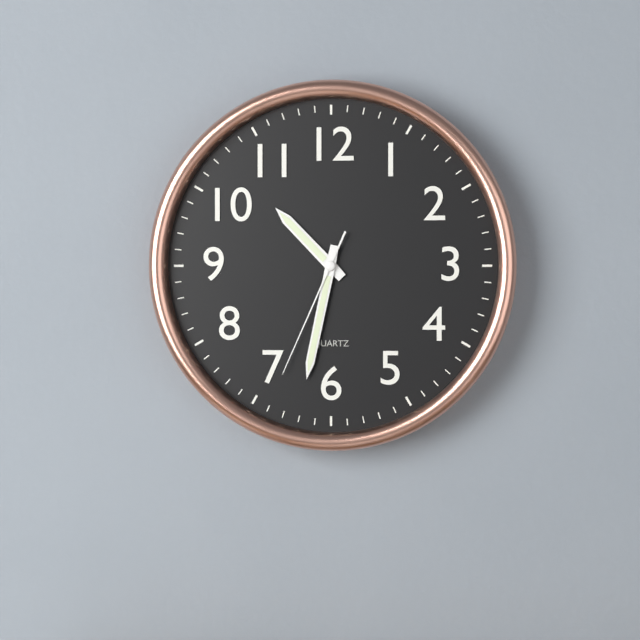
**10:32:34**
